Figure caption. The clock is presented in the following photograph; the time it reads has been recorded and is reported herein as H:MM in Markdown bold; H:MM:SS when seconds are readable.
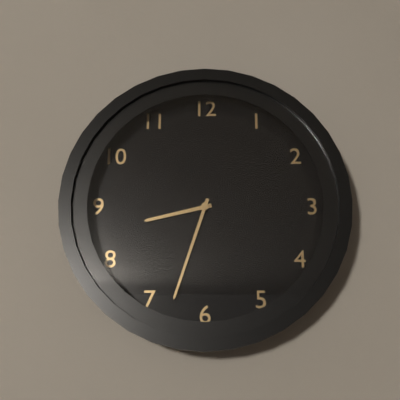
**8:33**
